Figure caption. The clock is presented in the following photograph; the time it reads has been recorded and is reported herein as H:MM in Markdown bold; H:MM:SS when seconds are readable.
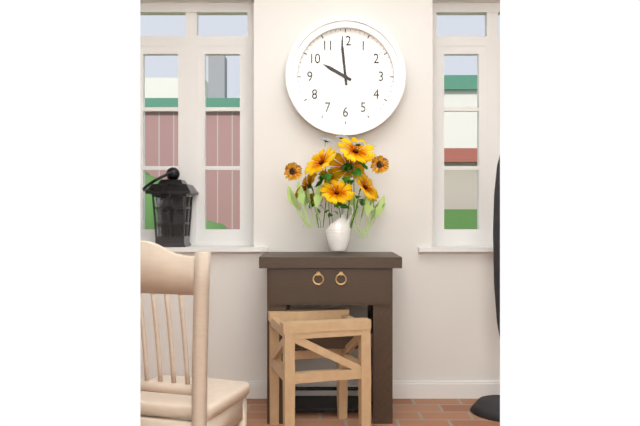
**9:59**
